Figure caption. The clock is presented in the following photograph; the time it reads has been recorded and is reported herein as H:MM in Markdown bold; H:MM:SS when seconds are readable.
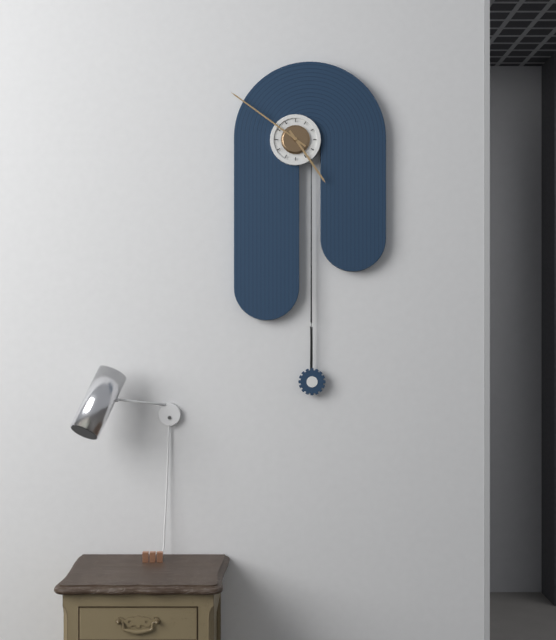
**4:51**
